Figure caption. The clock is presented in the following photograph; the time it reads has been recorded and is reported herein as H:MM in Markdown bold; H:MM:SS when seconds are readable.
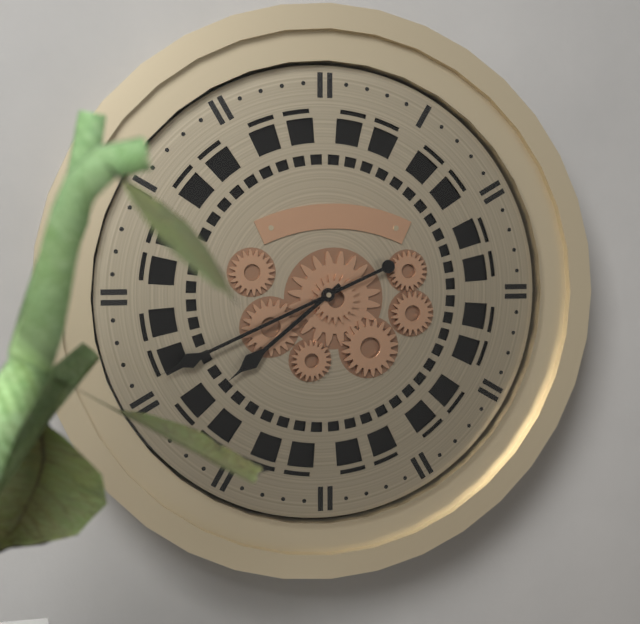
**7:41**
